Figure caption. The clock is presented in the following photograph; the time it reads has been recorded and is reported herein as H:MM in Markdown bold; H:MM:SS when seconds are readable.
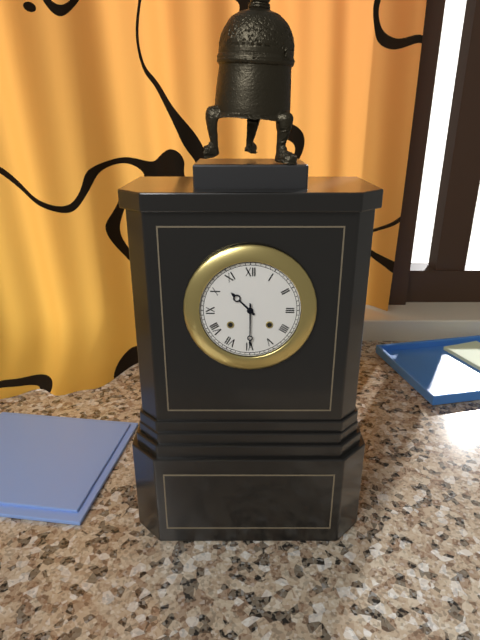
**10:30**
